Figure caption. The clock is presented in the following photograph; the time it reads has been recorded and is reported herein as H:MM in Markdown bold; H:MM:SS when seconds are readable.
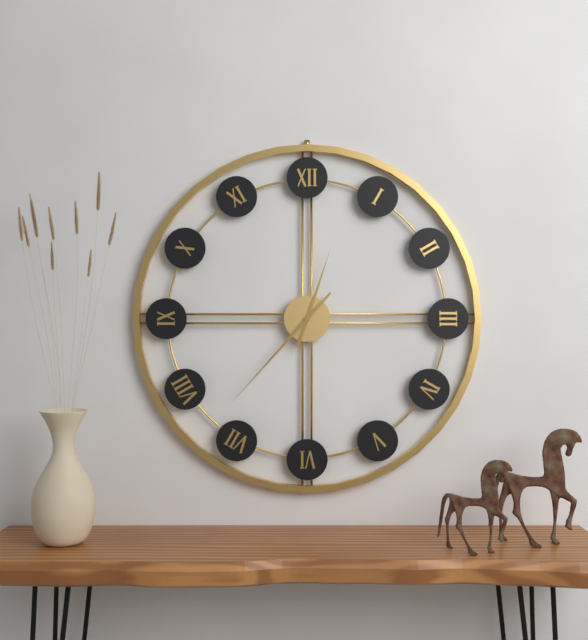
**12:37**
